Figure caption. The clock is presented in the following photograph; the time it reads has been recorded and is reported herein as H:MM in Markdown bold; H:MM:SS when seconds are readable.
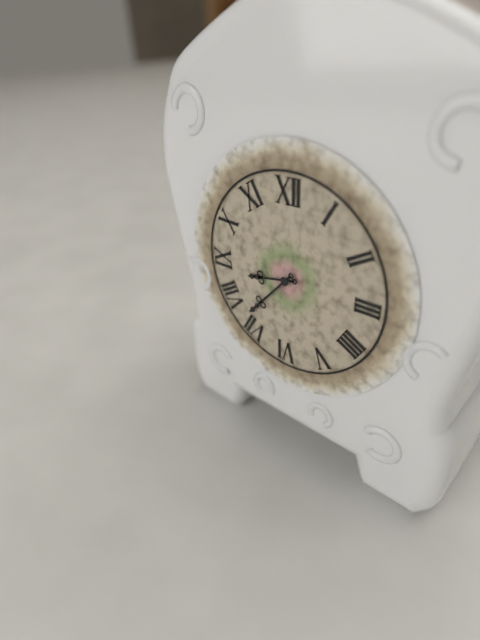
**8:37**
